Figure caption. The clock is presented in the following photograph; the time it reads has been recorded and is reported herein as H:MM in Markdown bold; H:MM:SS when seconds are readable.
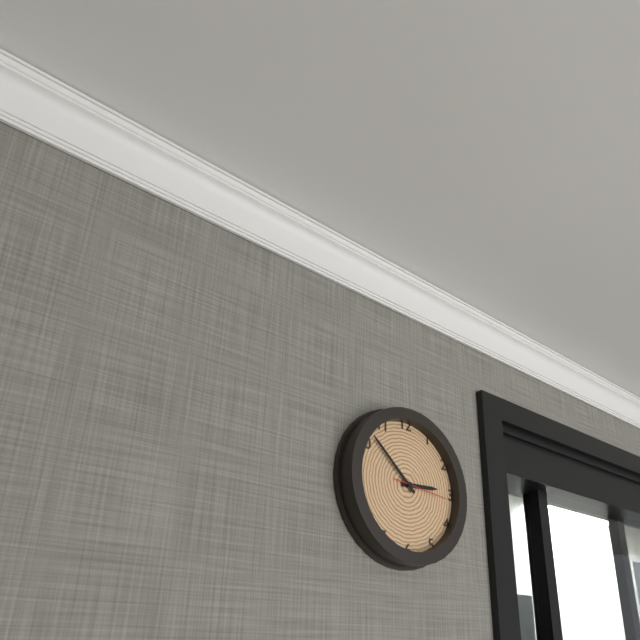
**2:52:16**
